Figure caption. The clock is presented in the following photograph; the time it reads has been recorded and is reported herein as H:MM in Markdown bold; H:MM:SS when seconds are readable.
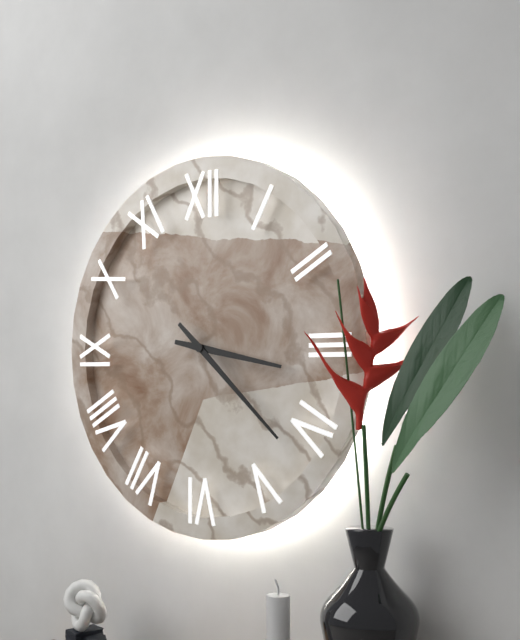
**3:22**
